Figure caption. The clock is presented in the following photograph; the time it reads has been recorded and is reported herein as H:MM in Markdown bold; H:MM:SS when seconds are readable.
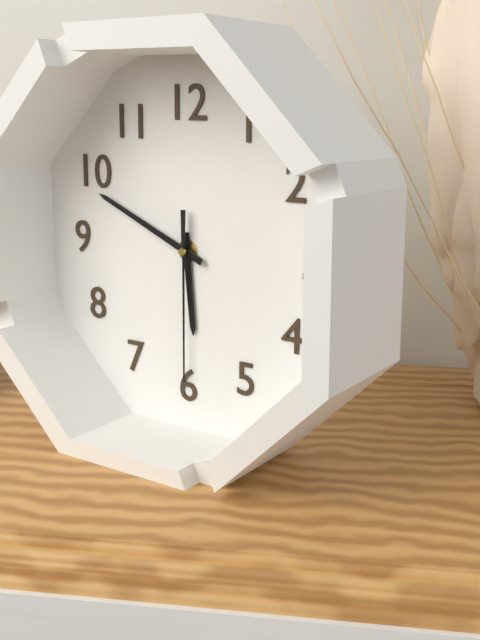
**5:49:30**
